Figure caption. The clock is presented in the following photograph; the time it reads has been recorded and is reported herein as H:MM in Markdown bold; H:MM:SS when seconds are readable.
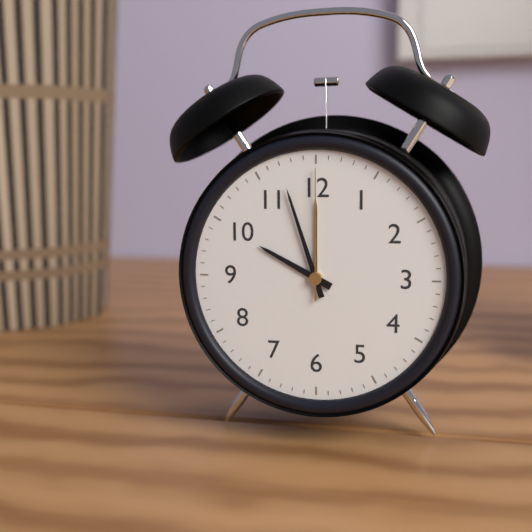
**9:57:00**
